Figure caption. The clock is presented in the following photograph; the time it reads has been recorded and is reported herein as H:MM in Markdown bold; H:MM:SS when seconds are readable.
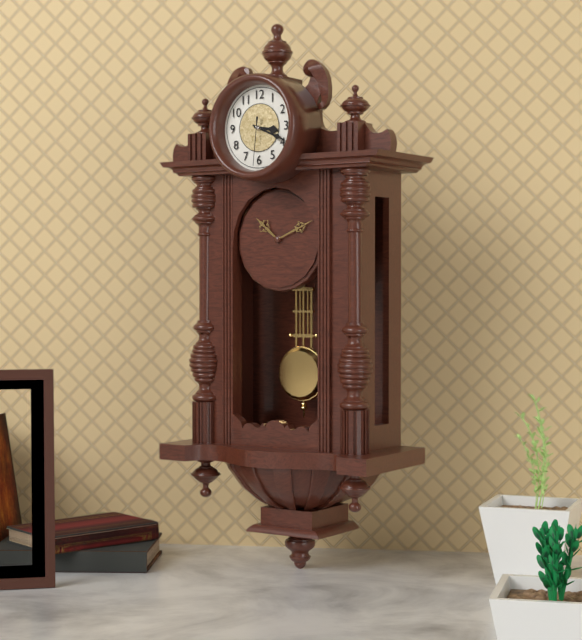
**3:19**
